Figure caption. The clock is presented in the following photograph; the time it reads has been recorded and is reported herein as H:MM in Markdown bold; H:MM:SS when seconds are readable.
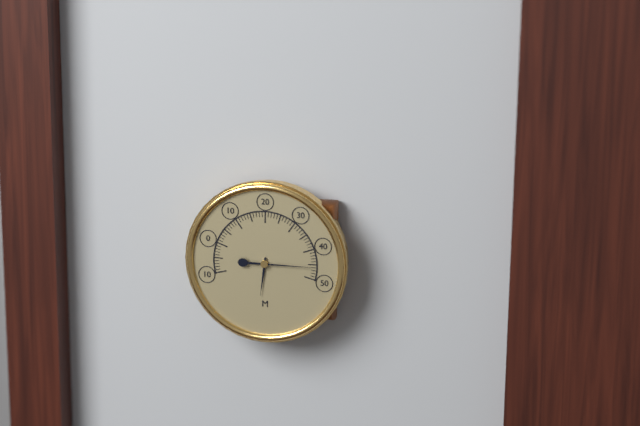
**6:15**
